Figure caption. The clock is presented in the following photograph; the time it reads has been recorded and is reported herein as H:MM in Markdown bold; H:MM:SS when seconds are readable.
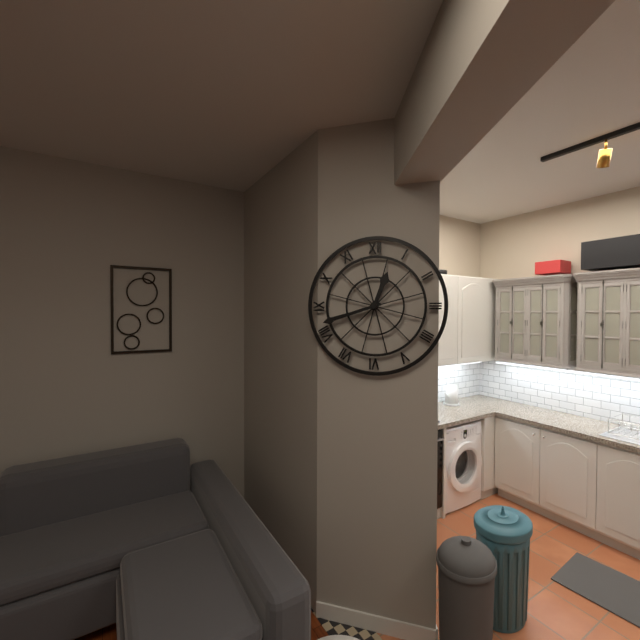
**12:42**
